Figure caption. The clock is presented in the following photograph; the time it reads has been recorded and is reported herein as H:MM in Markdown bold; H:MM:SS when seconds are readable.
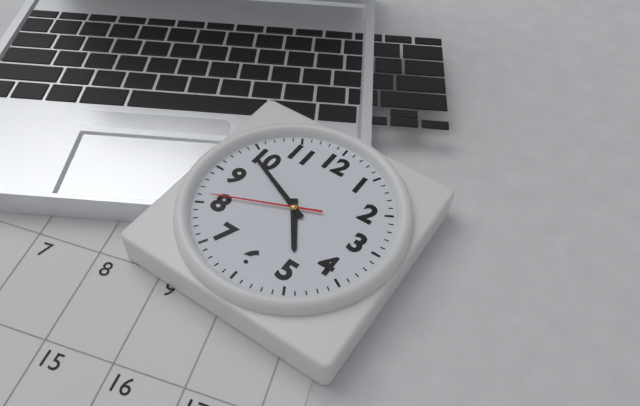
**4:49:41**
